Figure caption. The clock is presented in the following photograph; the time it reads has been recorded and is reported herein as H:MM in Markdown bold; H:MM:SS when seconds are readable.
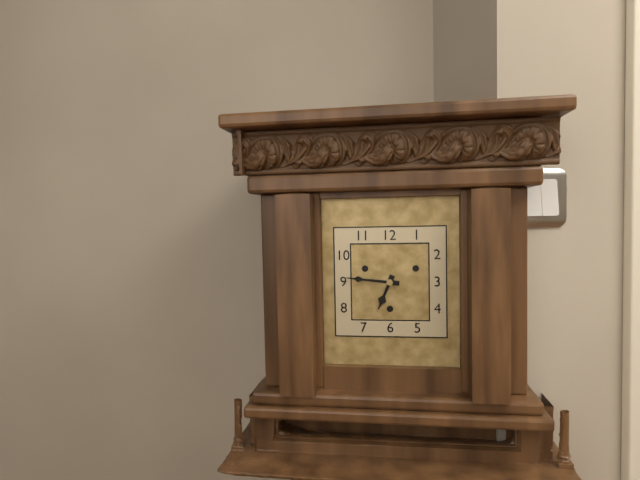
**6:46**
